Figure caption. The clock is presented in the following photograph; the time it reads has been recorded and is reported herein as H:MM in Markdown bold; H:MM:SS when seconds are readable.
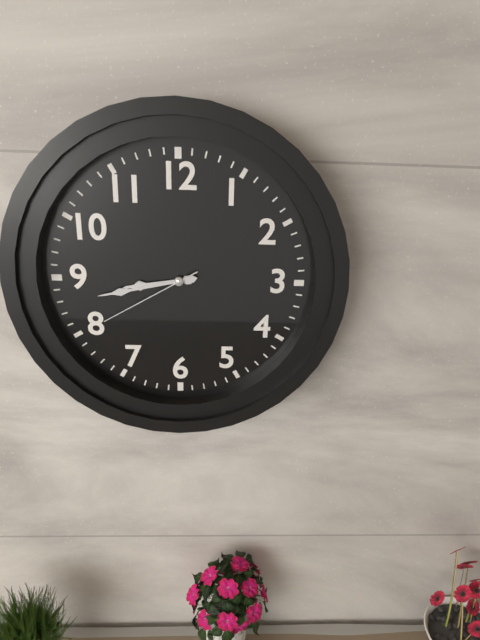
**8:43:40**
